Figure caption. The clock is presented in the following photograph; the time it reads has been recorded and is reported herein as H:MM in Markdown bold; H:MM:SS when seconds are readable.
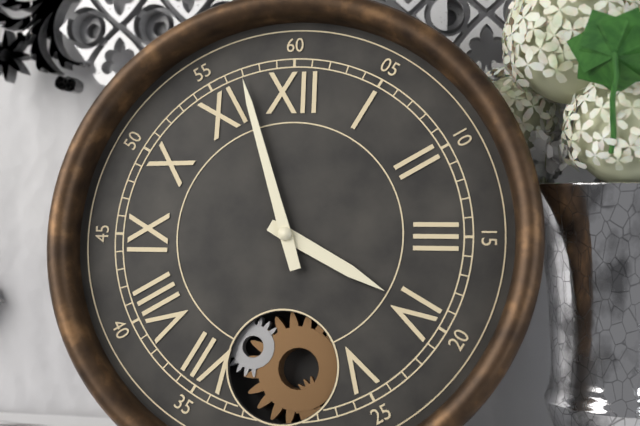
**3:57**
